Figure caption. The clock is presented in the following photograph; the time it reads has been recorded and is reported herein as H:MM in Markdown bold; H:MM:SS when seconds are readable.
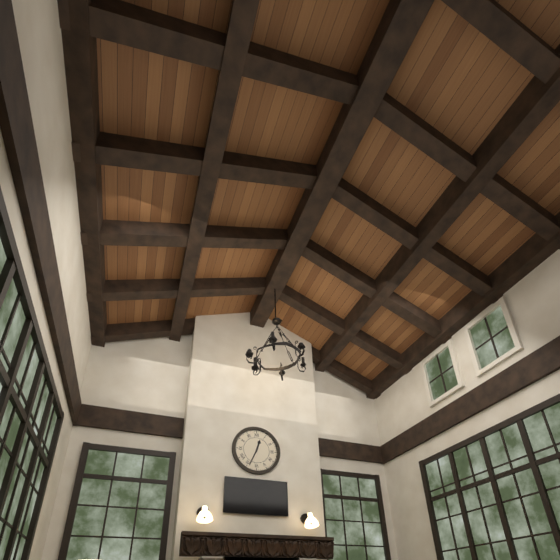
**12:34**
